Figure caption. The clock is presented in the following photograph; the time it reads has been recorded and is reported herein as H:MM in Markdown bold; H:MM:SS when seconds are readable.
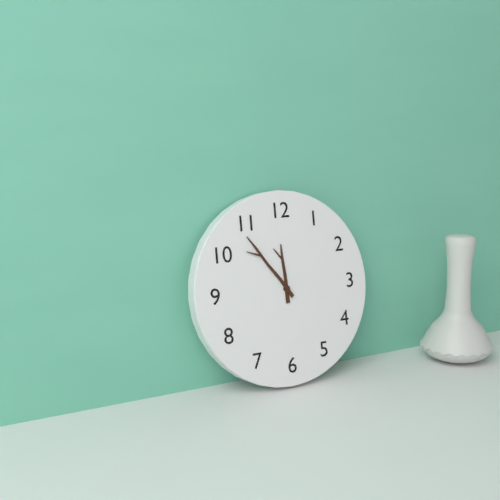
**11:54**
